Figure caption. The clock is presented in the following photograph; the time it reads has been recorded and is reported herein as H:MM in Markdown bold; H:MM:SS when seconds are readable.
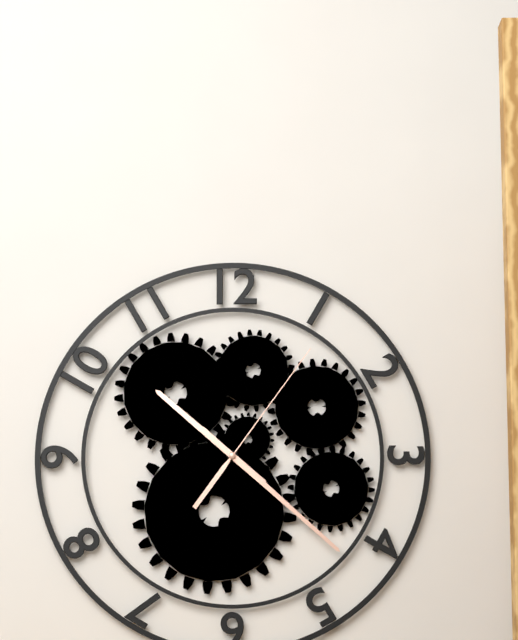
**10:22:06**
